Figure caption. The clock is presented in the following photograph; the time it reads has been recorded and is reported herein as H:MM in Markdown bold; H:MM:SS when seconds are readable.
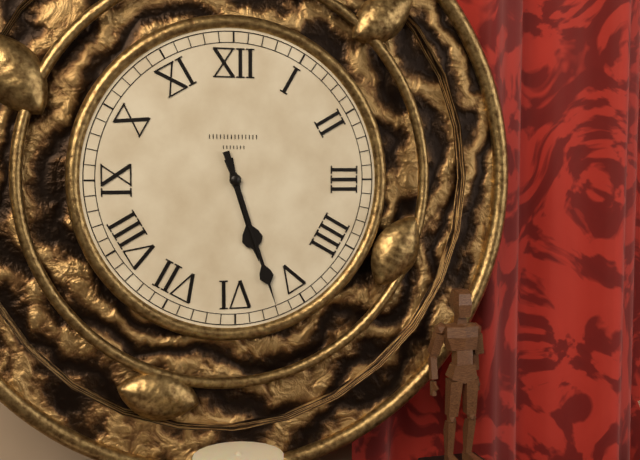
**5:27**
